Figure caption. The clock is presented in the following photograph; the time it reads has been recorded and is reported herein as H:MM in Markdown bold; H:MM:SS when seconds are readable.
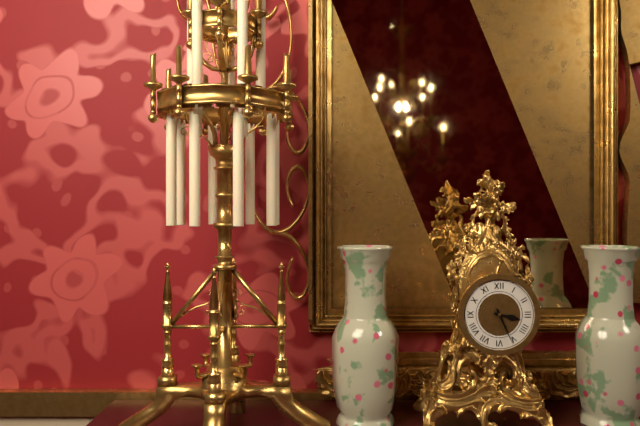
**3:26**
